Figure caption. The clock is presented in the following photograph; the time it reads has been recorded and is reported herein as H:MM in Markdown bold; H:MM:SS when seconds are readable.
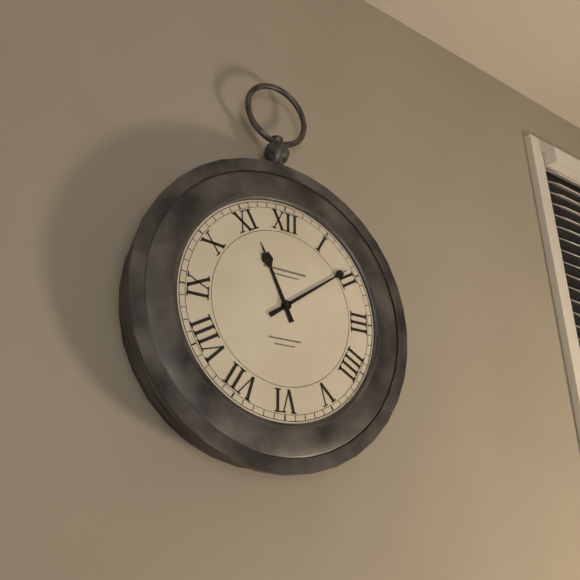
**11:09**
